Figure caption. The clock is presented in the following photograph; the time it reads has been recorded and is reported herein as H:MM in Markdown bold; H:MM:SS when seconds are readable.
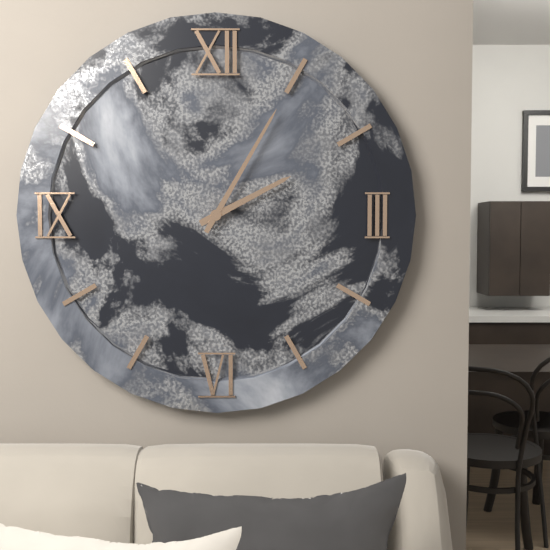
**2:05**
